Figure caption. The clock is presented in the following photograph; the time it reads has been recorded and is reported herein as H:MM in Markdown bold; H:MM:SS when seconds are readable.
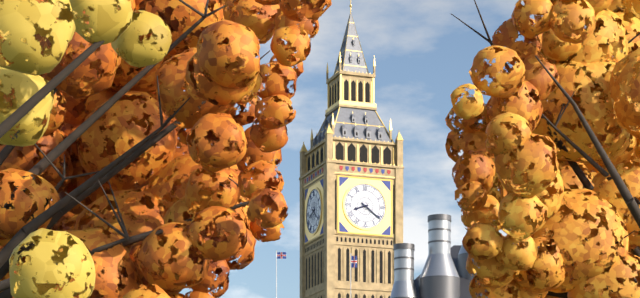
**8:21**
